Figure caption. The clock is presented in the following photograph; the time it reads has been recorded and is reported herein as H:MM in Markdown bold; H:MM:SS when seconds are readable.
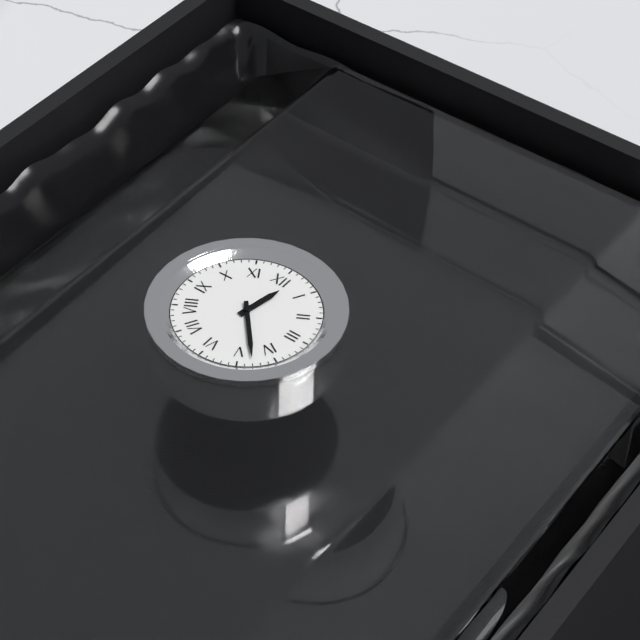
**12:23**
